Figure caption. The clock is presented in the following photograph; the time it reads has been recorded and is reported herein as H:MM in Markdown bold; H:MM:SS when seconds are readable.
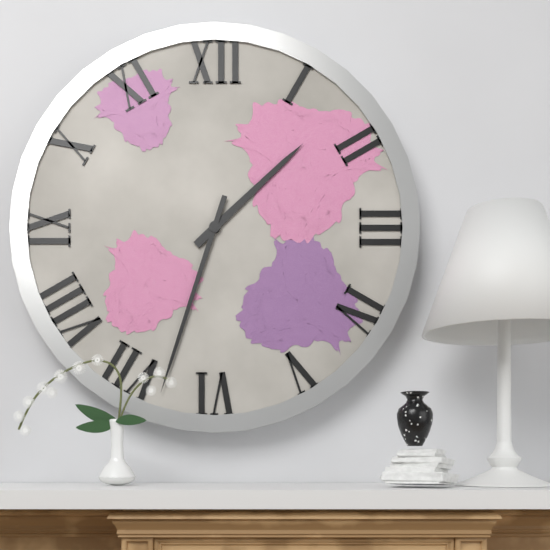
**1:33**
